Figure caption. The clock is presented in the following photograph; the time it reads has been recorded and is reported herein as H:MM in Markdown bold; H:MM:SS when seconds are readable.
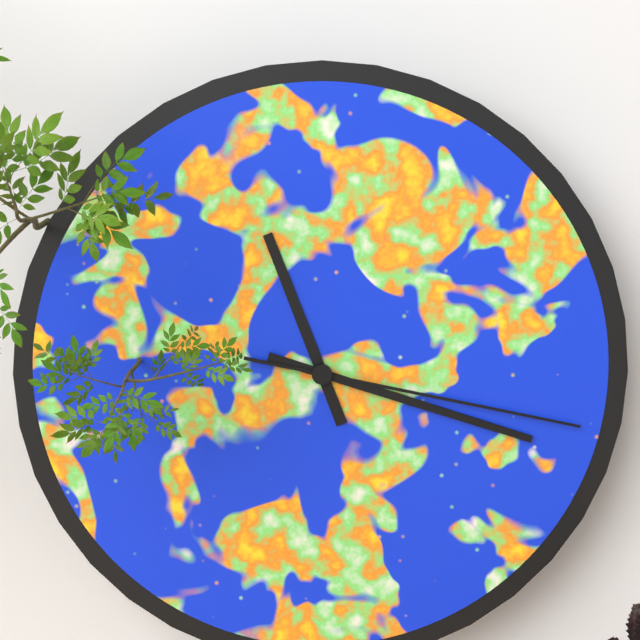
**11:18:17**
